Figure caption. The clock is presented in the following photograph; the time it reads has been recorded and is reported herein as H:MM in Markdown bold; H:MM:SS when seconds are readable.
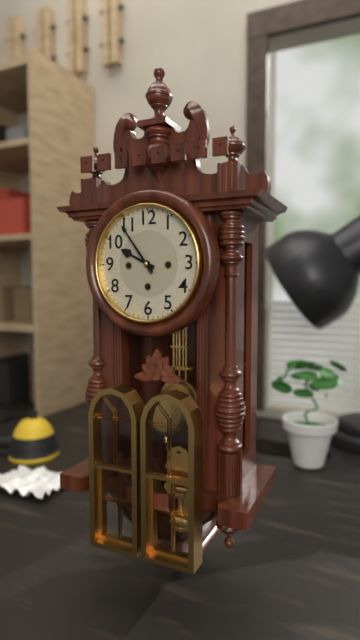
**9:54**
